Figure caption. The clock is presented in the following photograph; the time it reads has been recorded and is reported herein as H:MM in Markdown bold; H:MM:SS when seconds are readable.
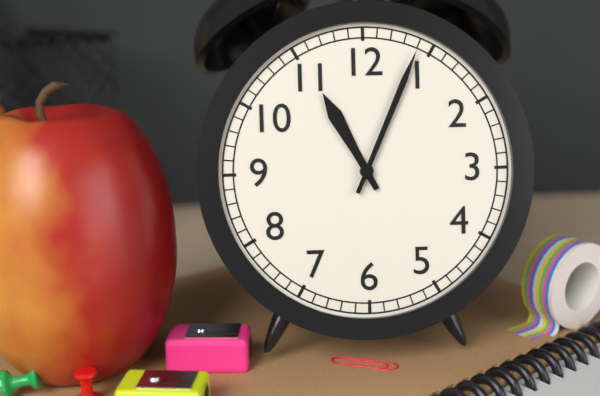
**11:04**
